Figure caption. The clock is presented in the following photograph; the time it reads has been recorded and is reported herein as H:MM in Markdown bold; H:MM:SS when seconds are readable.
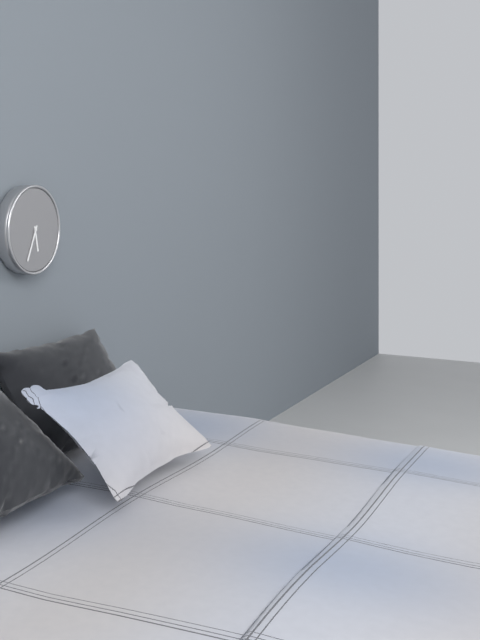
**5:34**
